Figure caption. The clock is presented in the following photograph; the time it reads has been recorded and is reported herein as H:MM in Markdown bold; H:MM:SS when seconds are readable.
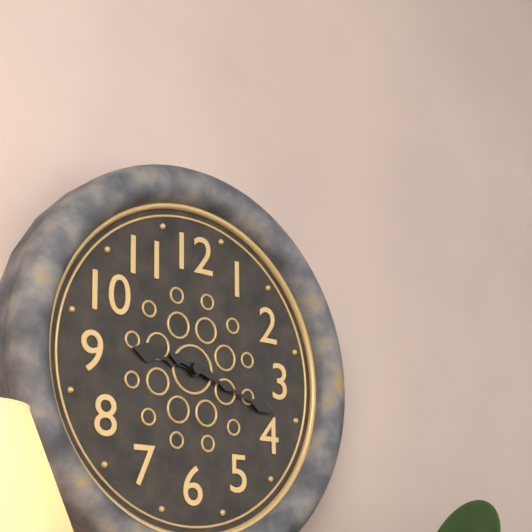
**9:18**
